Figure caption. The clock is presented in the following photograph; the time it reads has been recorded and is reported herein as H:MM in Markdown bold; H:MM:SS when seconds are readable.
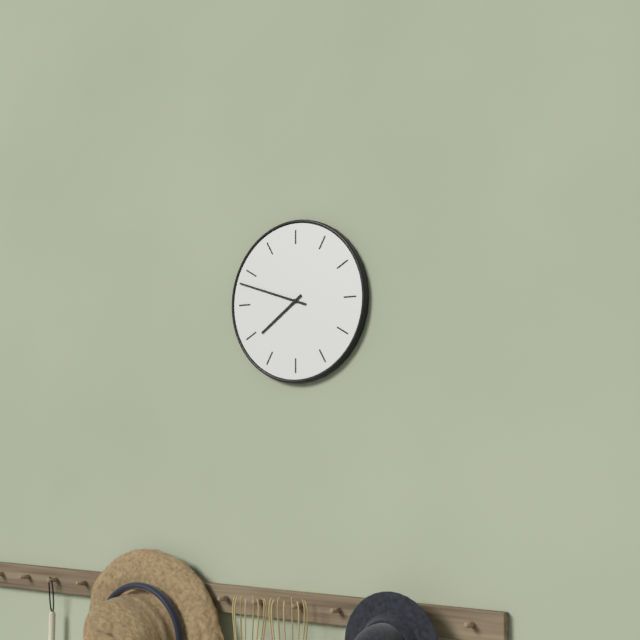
**7:48**
